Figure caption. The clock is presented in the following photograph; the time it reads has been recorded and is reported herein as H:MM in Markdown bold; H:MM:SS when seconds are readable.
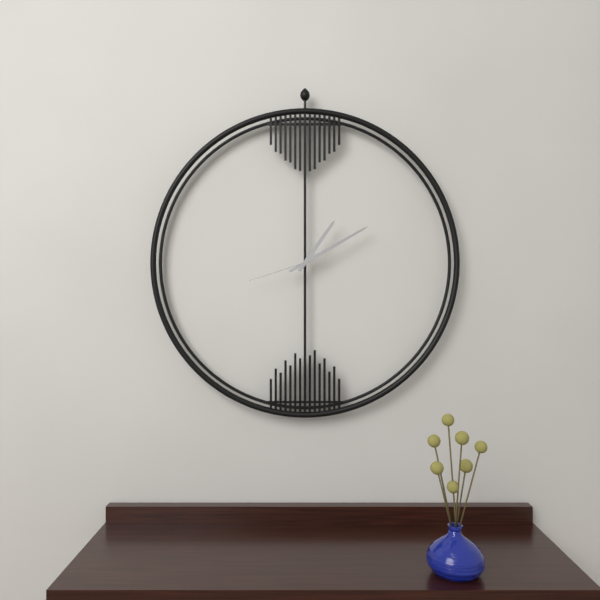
**1:10:42**
